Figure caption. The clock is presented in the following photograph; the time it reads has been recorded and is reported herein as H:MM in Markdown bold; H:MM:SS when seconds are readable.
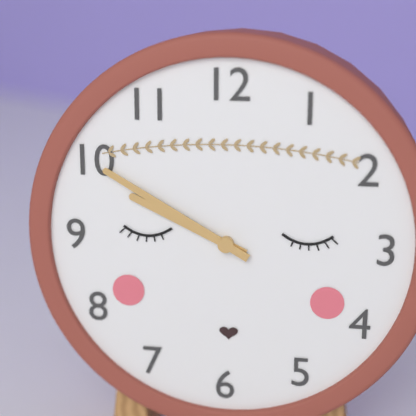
**9:50**
